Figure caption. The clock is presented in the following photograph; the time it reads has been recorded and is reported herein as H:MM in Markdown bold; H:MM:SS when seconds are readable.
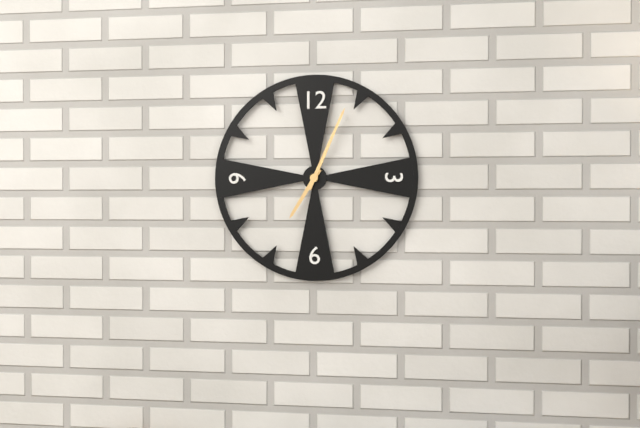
**7:04**
